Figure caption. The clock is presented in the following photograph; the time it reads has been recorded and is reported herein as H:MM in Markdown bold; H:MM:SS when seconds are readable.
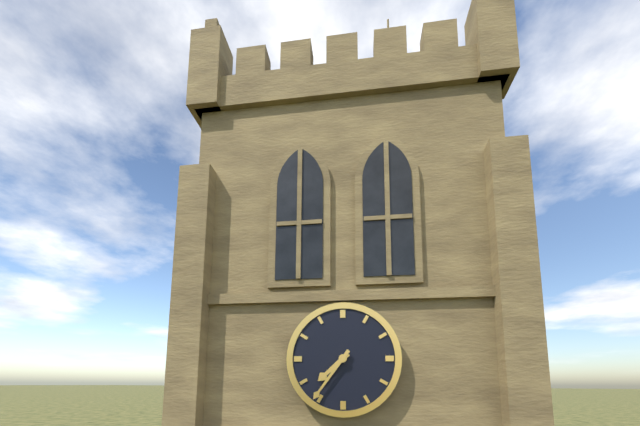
**7:36**
